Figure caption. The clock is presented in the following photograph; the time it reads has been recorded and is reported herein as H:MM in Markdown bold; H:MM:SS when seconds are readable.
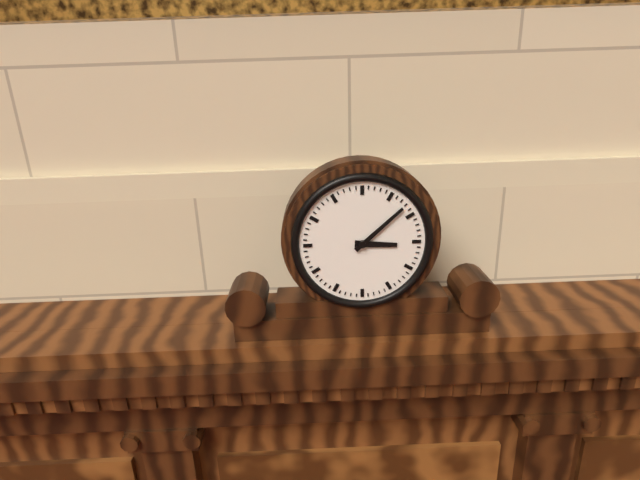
**3:08**
